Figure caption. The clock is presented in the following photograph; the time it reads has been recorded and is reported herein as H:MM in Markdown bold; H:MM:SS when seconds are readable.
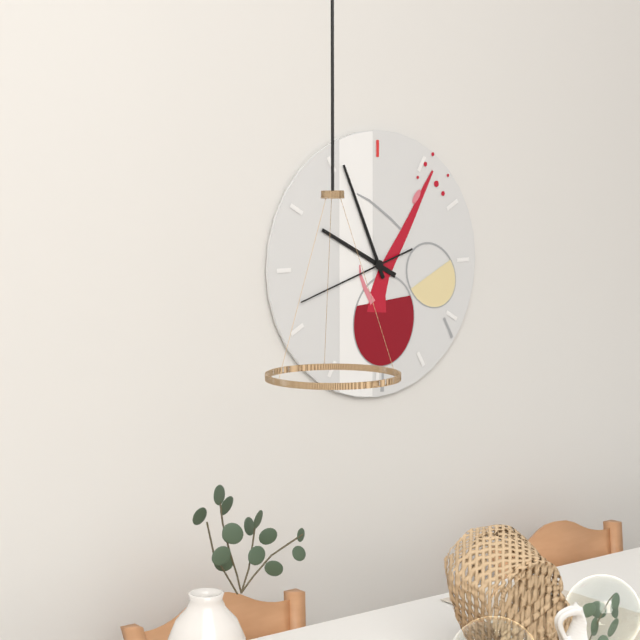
**9:56:42**
